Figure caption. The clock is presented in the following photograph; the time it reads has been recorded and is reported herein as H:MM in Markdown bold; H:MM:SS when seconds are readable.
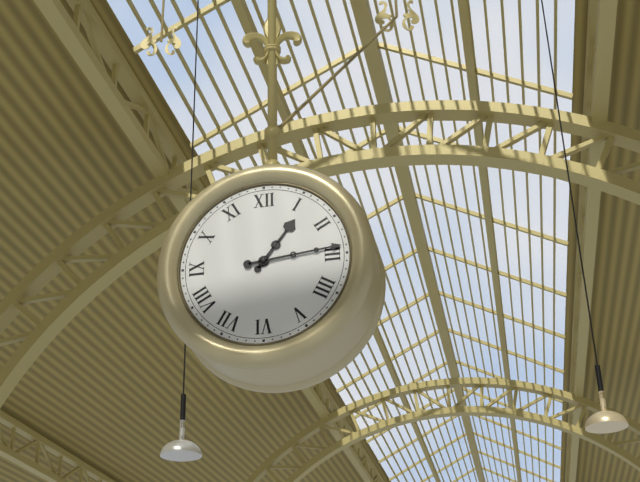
**1:14**
